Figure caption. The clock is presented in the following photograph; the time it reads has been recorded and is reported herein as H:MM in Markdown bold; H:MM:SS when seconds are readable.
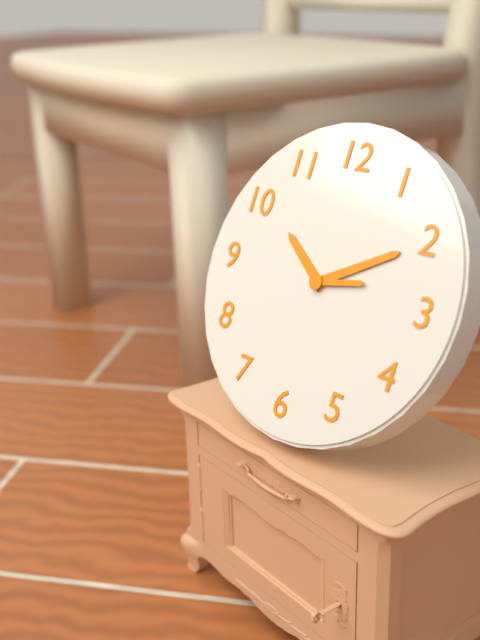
**10:10:13**
